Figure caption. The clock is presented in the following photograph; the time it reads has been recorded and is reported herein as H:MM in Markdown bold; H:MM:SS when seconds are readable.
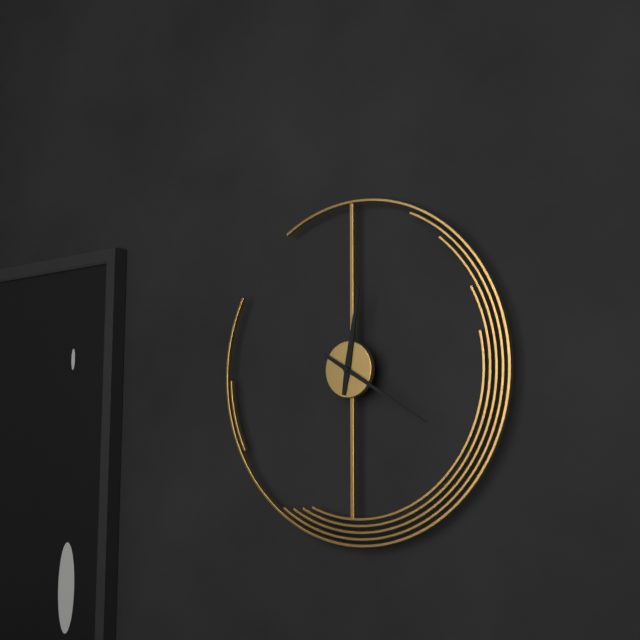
**12:20**
